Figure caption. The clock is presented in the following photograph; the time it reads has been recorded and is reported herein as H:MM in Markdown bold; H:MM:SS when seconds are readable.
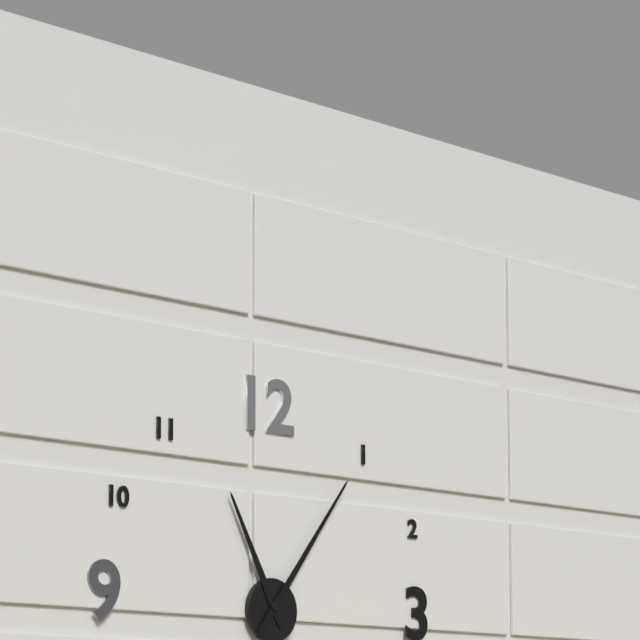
**11:06**
